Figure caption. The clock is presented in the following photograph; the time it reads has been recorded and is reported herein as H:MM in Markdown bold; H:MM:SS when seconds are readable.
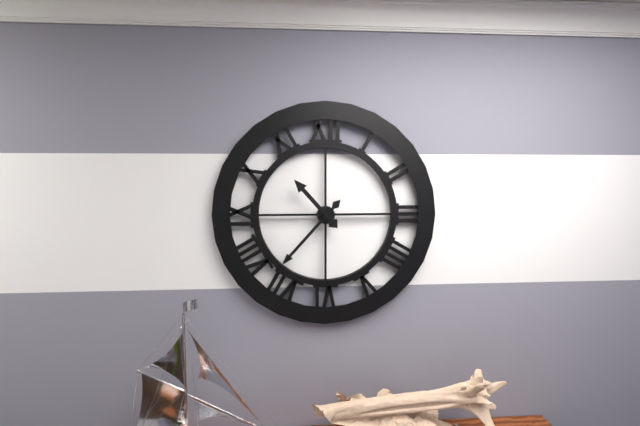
**10:37**
